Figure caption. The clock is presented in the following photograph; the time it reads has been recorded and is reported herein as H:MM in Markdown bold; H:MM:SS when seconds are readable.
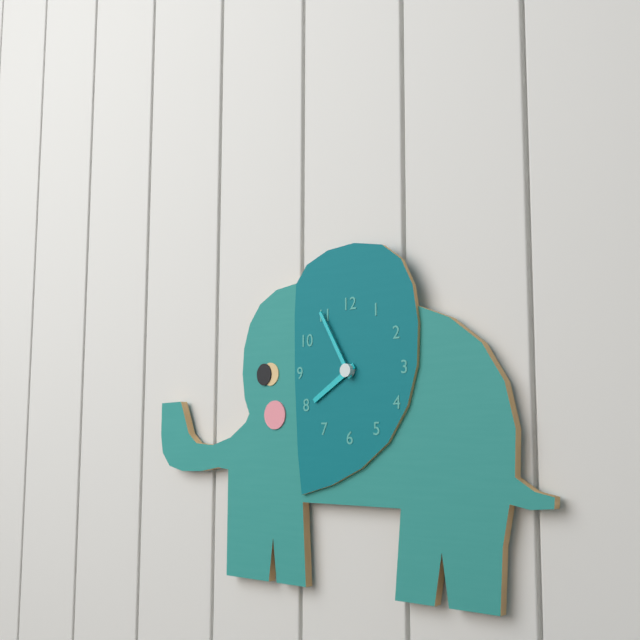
**7:55**
